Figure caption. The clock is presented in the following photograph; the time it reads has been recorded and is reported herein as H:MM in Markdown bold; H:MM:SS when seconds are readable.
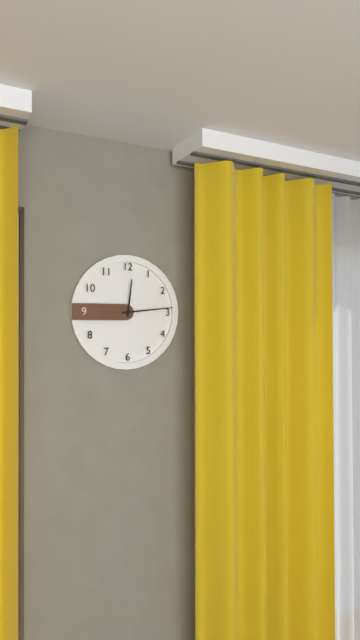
**12:14**
